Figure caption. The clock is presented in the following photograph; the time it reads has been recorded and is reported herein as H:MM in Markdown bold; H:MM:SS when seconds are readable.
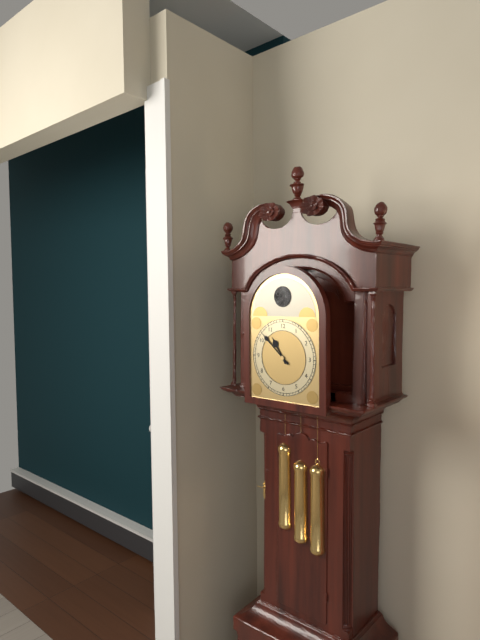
**10:52**
